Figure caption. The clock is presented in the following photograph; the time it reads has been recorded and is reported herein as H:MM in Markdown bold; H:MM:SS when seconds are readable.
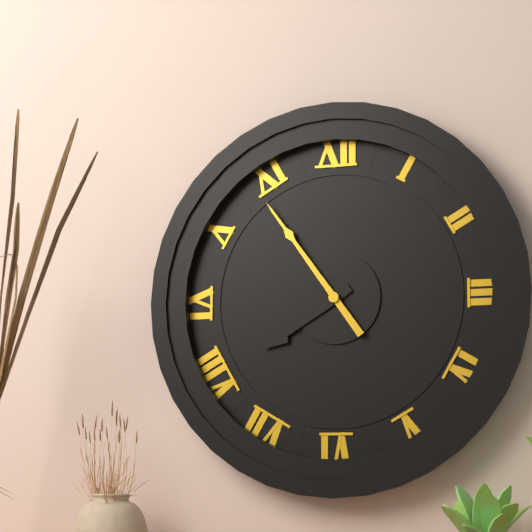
**7:54**
